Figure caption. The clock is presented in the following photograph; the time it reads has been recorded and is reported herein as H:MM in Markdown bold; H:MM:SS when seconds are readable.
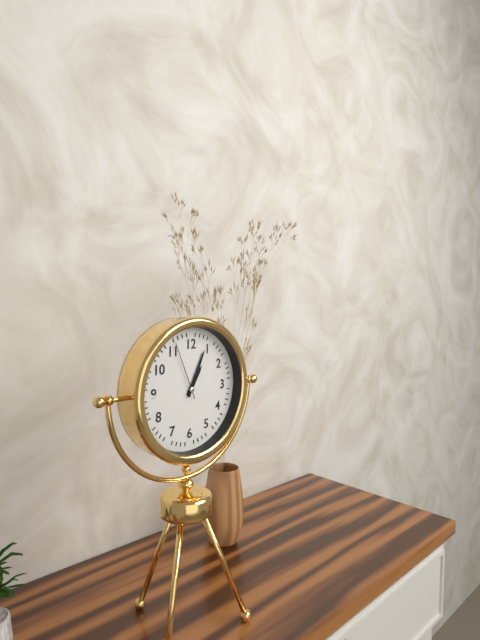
**1:04:56**
